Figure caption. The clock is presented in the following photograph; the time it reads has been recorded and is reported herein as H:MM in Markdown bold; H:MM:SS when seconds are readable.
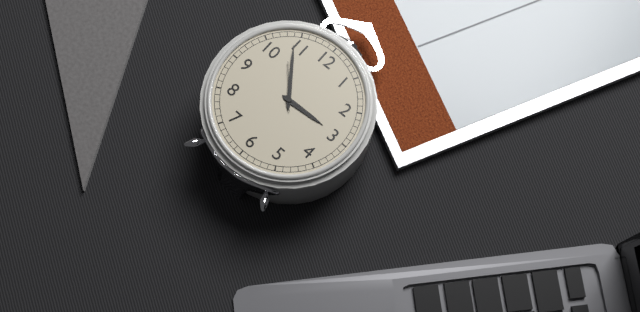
**2:54**
